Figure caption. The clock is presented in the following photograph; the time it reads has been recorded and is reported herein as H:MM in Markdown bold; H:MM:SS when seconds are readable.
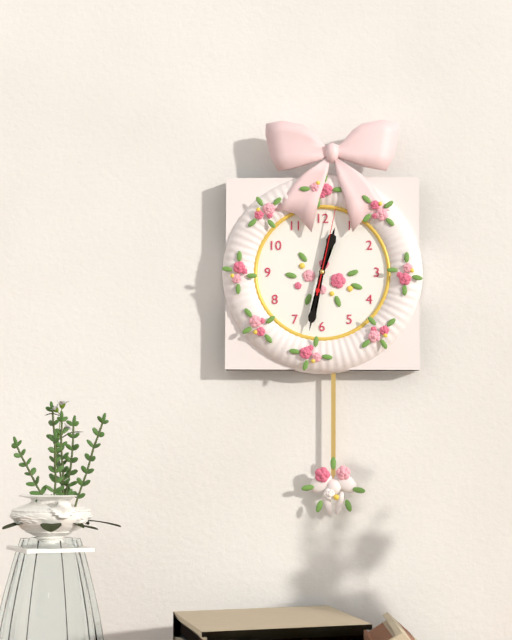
**12:32:02**
